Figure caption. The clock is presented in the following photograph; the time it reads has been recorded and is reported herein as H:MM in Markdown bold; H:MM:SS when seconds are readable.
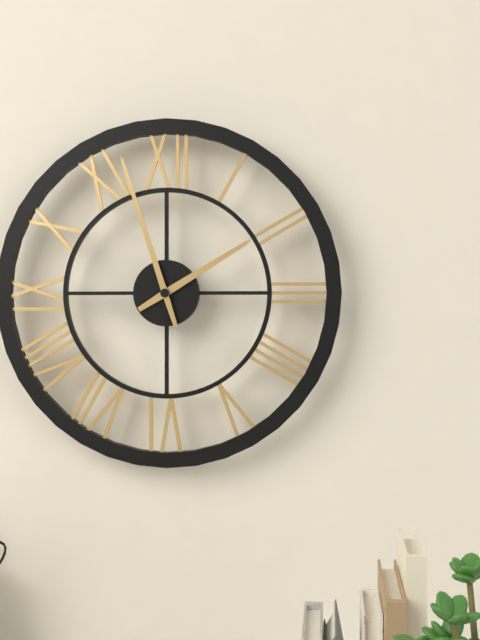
**1:57**
